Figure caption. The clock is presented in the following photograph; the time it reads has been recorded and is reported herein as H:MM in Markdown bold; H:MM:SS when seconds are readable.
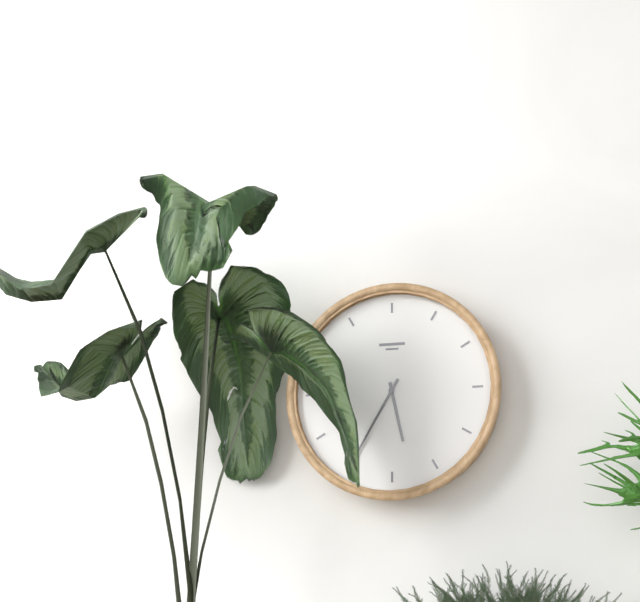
**5:35**
